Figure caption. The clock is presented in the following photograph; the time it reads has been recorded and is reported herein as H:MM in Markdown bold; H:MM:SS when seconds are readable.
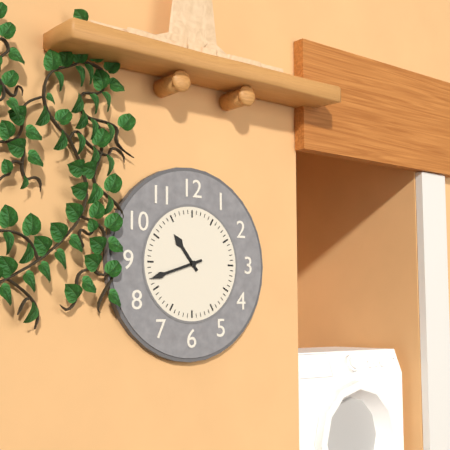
**10:42**
